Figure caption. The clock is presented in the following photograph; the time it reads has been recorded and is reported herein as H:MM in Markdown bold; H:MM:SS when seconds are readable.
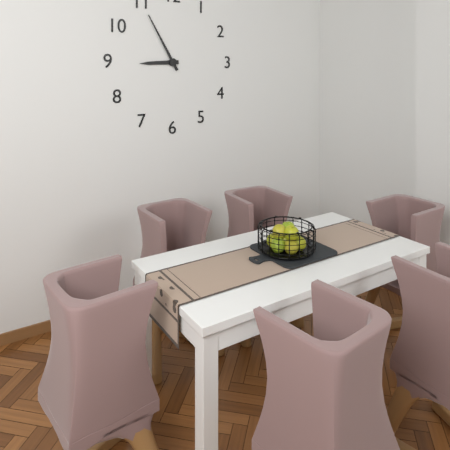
**8:55**
